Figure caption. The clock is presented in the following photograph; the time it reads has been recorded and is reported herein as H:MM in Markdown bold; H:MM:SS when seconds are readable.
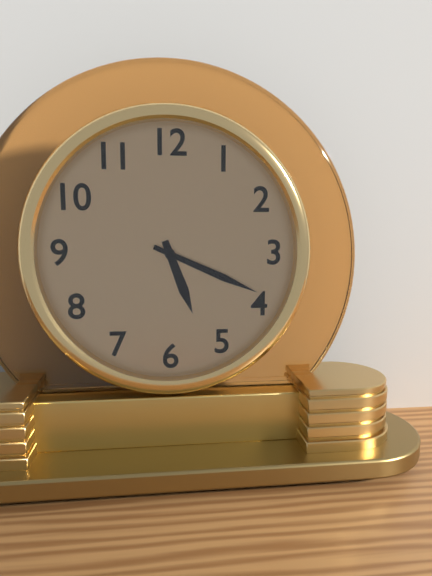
**5:19**
